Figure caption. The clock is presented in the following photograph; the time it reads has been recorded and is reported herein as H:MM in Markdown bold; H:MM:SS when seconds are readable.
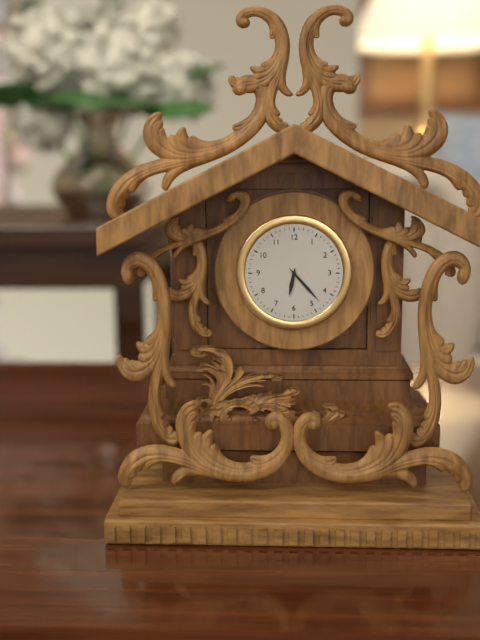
**6:23**
